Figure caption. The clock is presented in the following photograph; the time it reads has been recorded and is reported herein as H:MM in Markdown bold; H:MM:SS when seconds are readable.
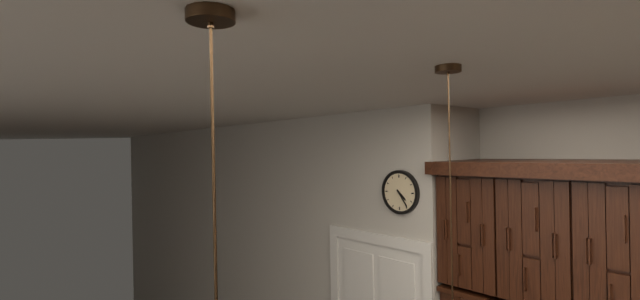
**4:24**
